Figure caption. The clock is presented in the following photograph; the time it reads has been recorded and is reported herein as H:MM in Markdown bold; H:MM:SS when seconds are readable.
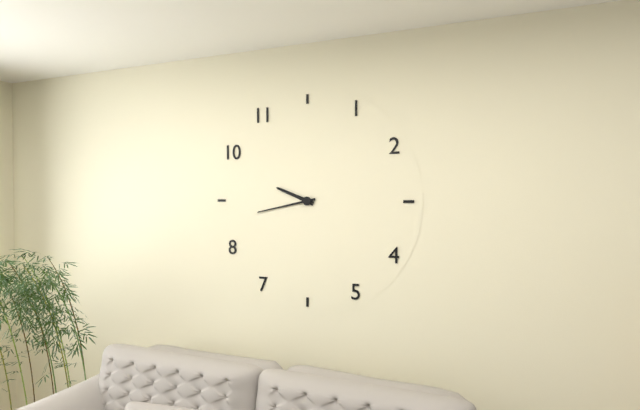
**9:43**
